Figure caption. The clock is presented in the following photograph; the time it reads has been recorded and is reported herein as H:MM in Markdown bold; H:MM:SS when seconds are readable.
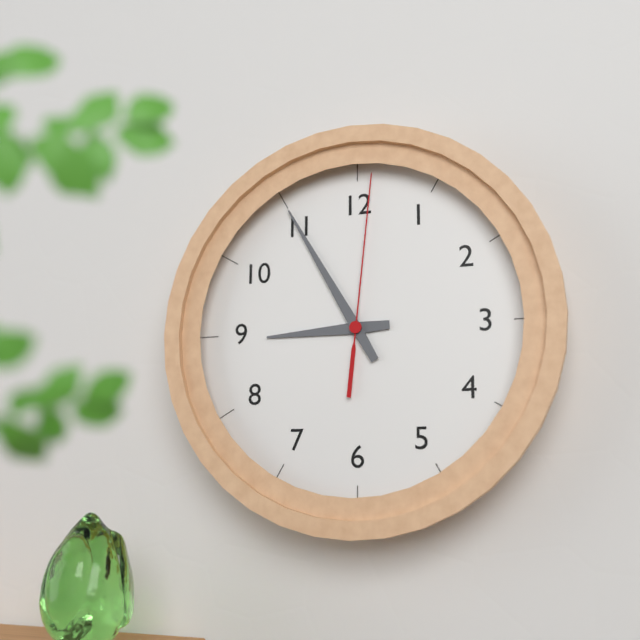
**8:55:01**
